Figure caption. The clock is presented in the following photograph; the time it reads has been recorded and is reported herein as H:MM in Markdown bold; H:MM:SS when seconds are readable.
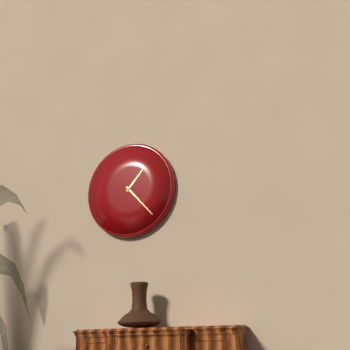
**1:23**
